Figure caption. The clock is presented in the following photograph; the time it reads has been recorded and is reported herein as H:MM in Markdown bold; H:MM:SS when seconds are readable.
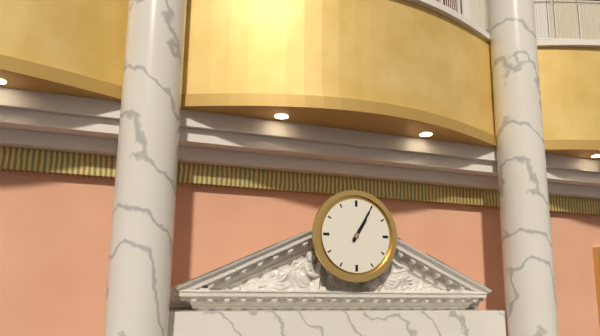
**1:05**
